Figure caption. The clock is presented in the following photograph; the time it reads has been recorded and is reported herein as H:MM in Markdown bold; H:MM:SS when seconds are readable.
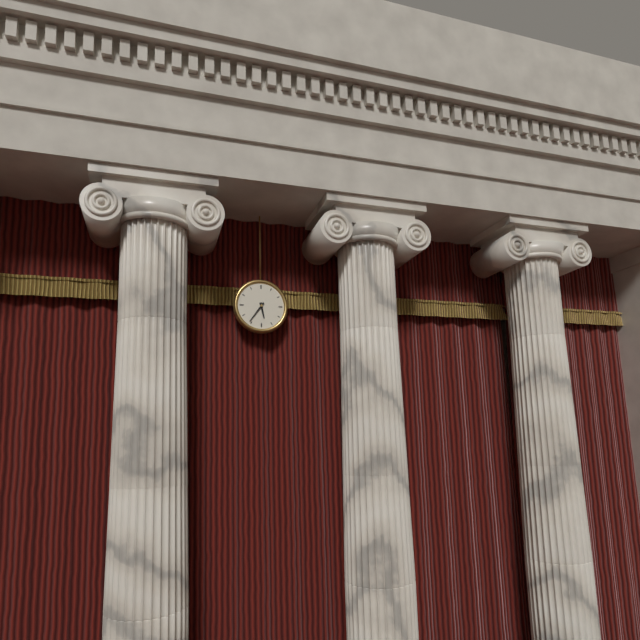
**5:36**
